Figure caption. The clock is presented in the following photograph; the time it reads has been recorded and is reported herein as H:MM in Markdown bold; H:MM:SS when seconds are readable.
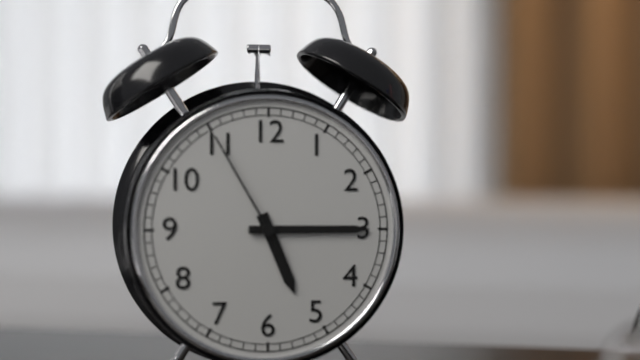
**5:15:55**
